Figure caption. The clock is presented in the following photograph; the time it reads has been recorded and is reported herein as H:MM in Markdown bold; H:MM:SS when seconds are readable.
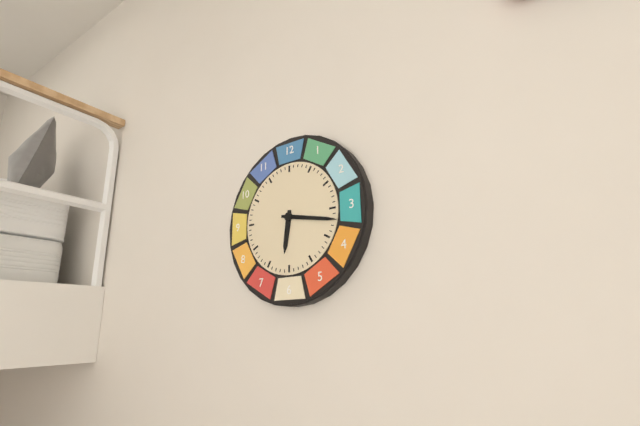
**6:17**
